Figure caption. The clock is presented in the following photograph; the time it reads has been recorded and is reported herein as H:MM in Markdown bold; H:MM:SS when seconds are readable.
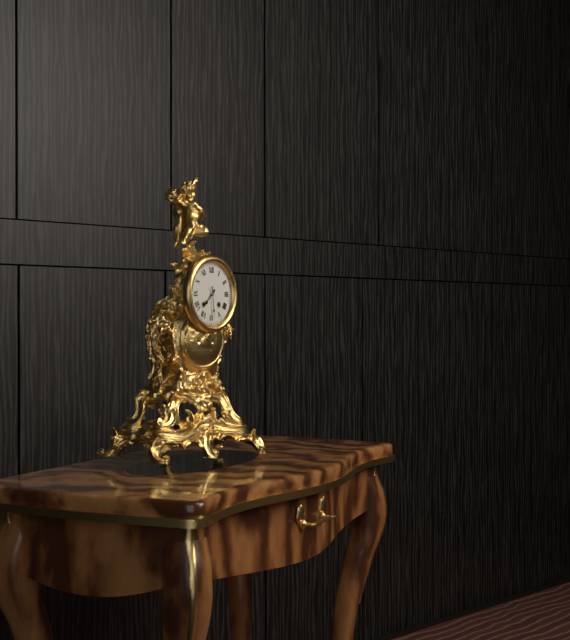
**7:29**
